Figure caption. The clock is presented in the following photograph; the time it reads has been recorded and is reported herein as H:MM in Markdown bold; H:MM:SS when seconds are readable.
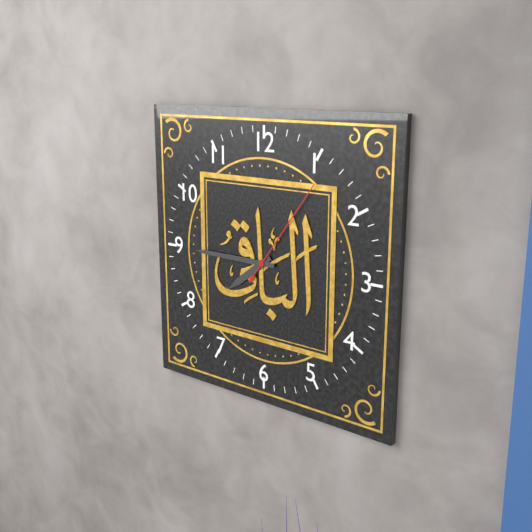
**7:45:06**
